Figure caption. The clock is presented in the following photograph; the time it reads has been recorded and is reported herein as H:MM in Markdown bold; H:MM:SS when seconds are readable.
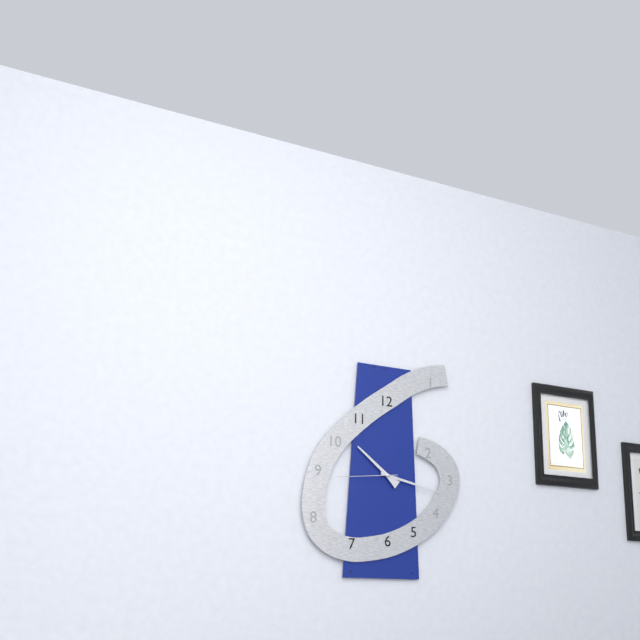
**10:17:44**
